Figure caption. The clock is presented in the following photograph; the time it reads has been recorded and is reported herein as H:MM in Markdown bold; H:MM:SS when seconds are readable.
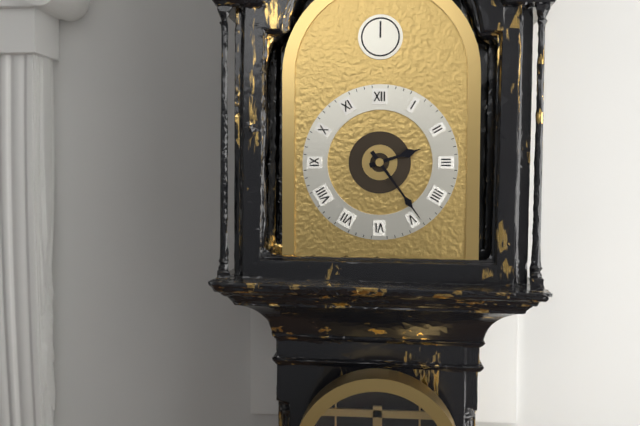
**2:24**
